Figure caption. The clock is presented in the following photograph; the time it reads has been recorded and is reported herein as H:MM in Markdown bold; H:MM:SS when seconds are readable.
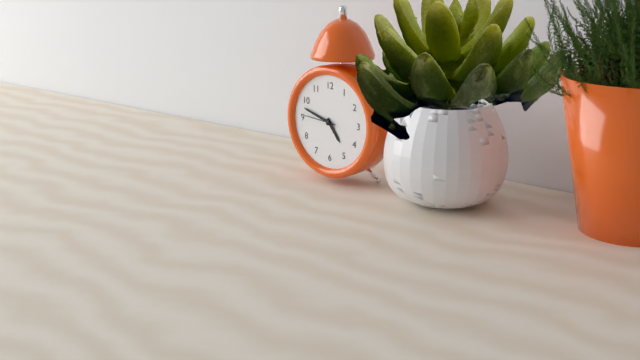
**4:48**
